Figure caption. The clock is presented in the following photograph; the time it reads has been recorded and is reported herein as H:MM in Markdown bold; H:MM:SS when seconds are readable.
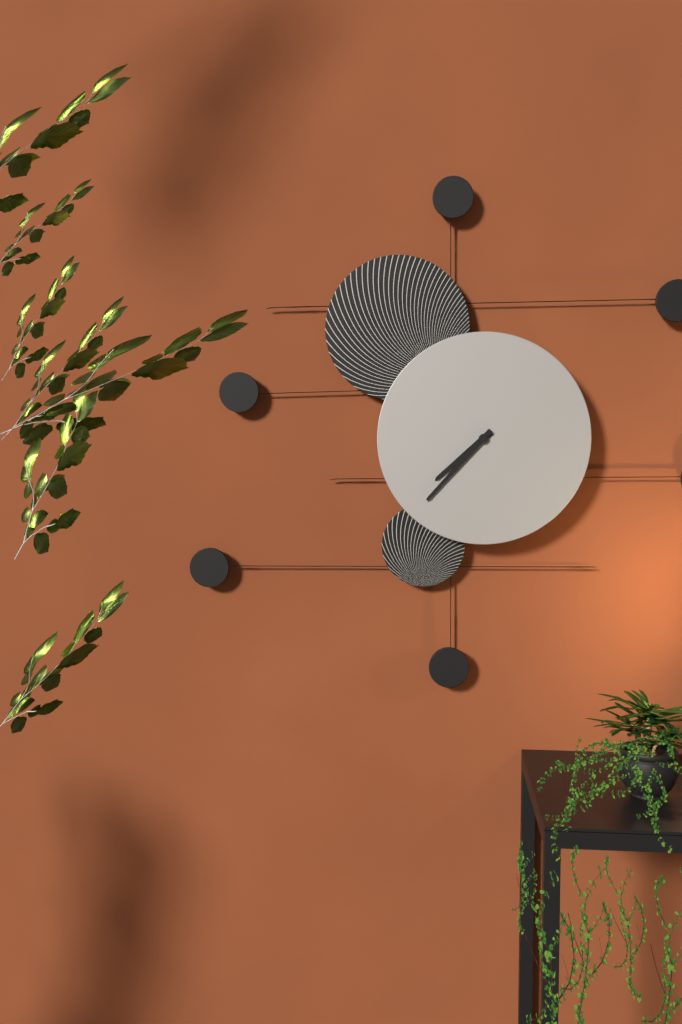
**7:37**
